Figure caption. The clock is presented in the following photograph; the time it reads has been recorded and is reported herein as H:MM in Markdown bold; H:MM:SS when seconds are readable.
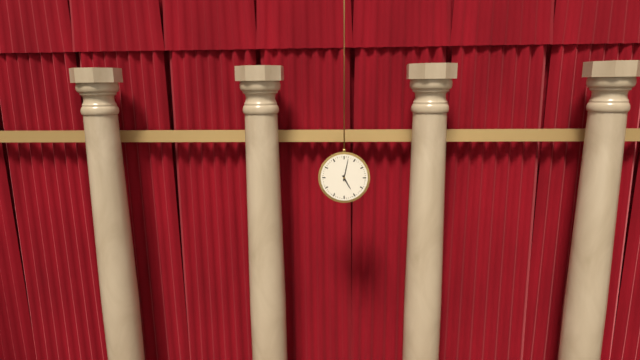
**5:02**
